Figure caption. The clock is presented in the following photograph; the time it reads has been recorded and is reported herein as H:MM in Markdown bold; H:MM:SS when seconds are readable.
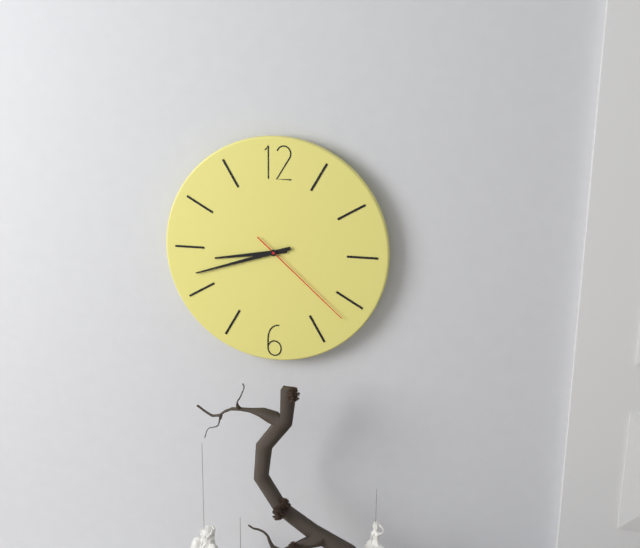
**8:42:22**
